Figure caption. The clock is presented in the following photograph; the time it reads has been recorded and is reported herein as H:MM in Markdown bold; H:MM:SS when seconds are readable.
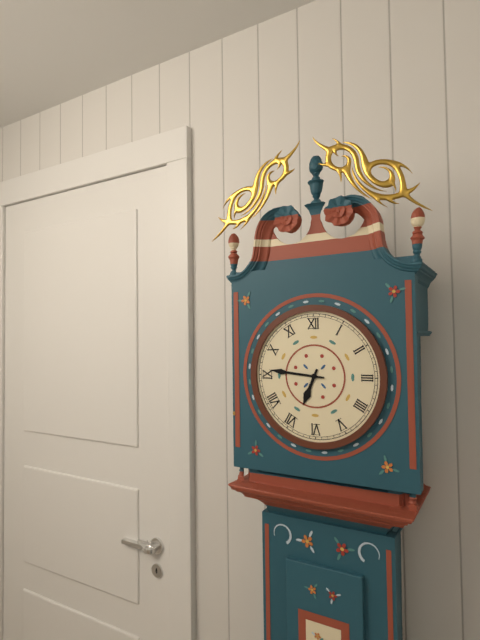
**6:46**
